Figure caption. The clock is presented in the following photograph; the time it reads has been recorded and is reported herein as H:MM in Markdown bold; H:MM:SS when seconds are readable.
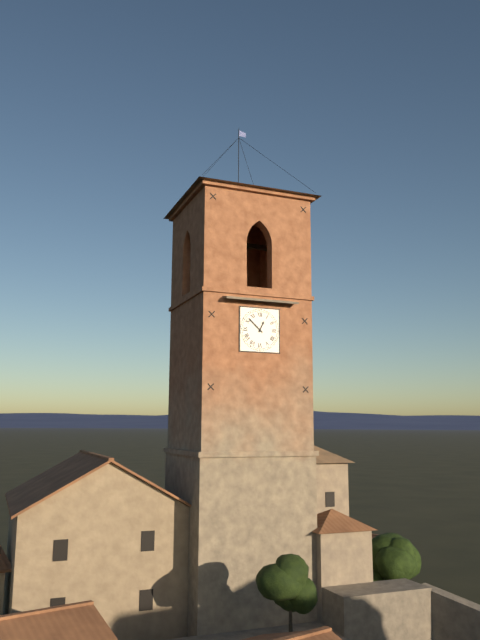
**12:52**
